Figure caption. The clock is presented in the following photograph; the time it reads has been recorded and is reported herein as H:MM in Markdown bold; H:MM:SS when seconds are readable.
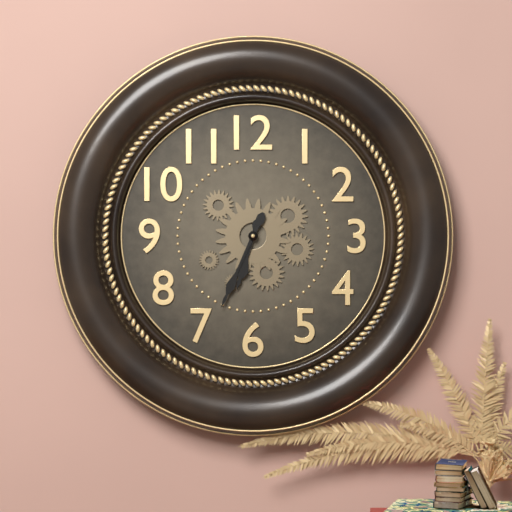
**6:34**
